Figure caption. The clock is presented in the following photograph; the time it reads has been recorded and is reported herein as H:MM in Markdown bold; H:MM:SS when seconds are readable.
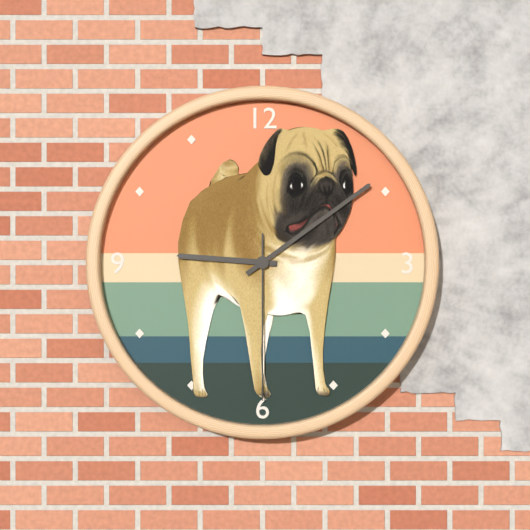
**9:09:30**
